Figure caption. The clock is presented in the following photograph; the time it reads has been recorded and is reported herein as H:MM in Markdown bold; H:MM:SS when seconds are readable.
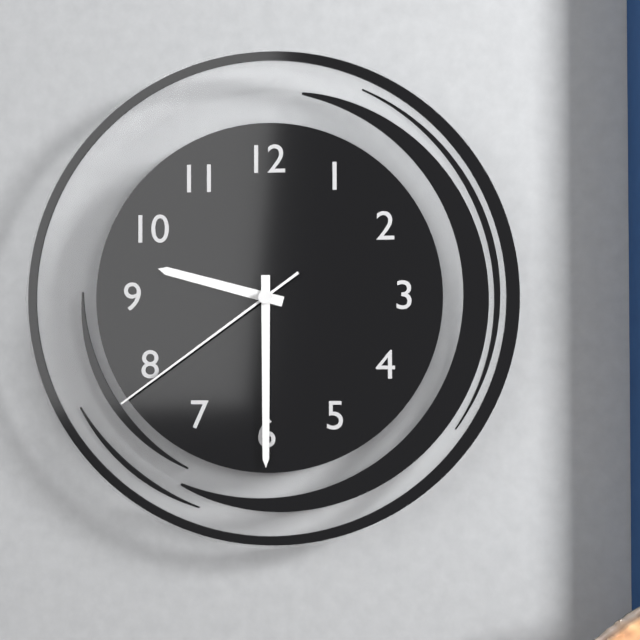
**9:30:39**
